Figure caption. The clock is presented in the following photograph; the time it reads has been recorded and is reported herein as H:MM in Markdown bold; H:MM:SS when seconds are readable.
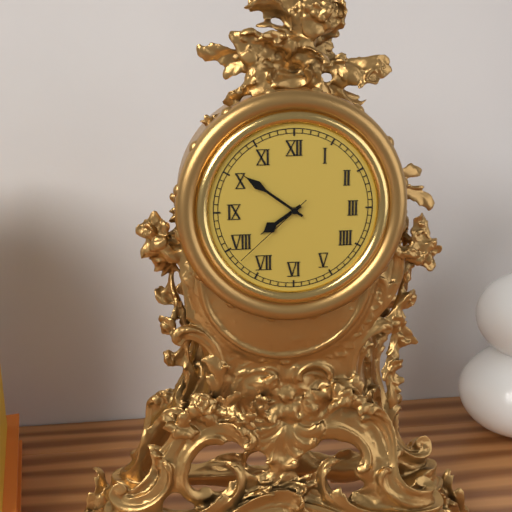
**7:51:38**
